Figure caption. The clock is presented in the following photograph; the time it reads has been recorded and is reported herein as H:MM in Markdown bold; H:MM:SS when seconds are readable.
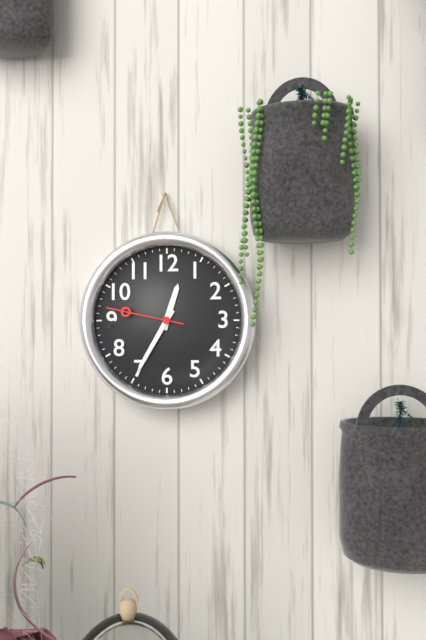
**12:35:47**
